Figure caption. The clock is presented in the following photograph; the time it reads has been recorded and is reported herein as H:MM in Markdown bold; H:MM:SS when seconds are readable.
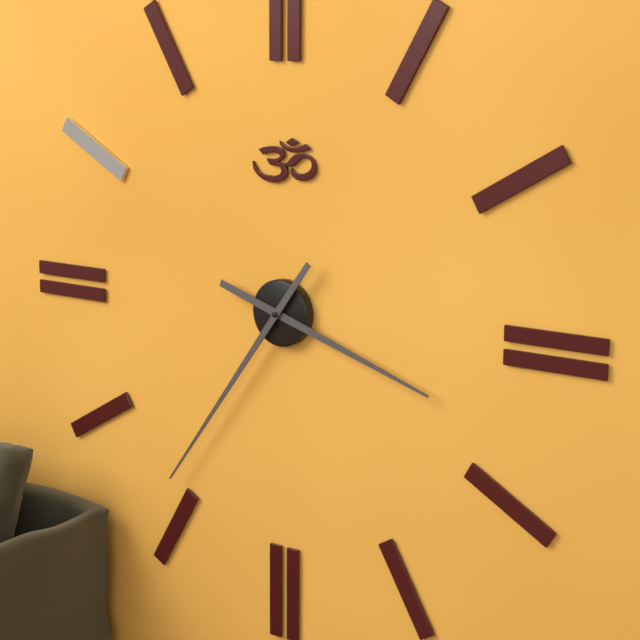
**3:36**
